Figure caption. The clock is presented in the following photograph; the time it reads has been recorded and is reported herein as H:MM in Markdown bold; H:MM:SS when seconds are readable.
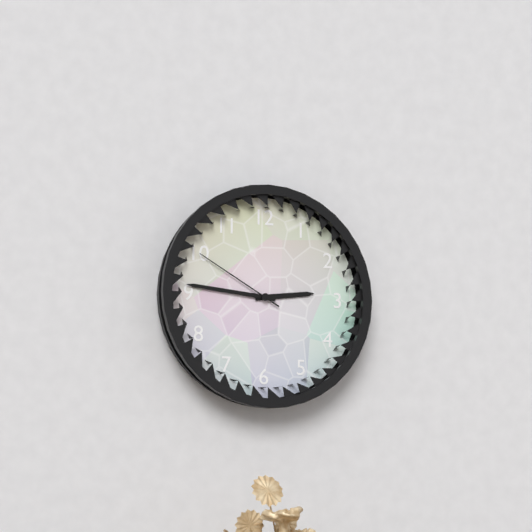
**2:46:50**
